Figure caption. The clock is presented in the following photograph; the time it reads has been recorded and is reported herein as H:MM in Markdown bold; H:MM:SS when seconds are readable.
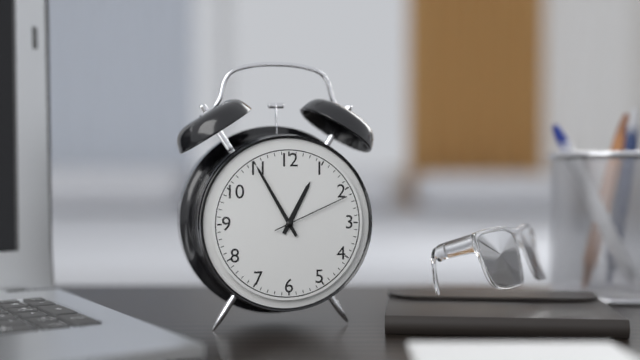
**12:55:11**
